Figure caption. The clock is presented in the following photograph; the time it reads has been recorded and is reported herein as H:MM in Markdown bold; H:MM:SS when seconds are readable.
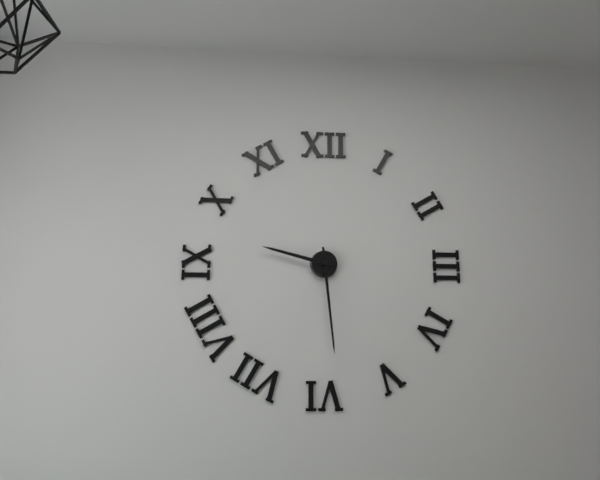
**9:29**
